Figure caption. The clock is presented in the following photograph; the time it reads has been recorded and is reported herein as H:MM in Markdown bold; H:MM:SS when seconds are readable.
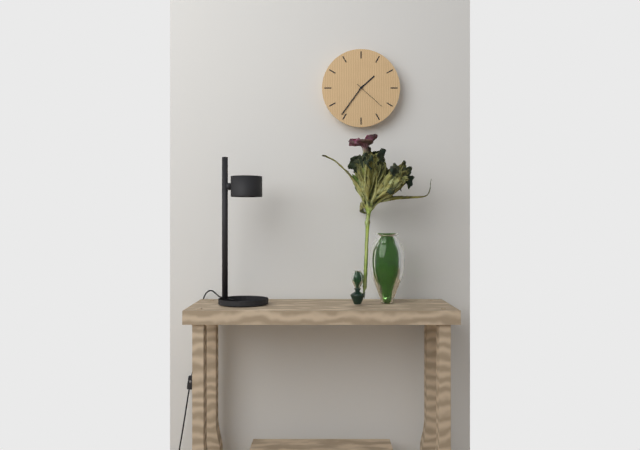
**1:36**
